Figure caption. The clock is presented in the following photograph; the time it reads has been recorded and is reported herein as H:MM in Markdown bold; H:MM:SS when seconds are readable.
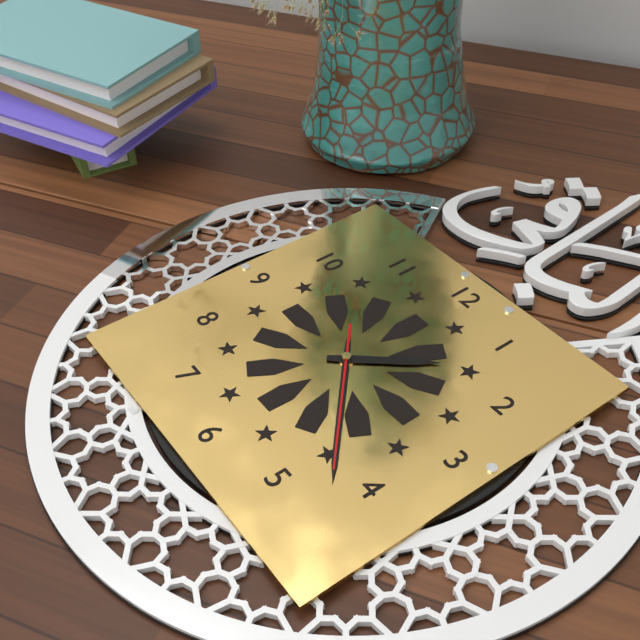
**1:22:22**
